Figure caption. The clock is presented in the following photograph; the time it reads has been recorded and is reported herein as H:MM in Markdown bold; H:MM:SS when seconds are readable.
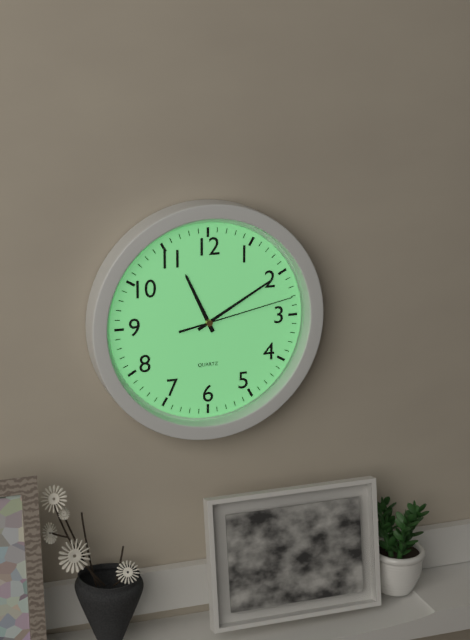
**11:10:13**
